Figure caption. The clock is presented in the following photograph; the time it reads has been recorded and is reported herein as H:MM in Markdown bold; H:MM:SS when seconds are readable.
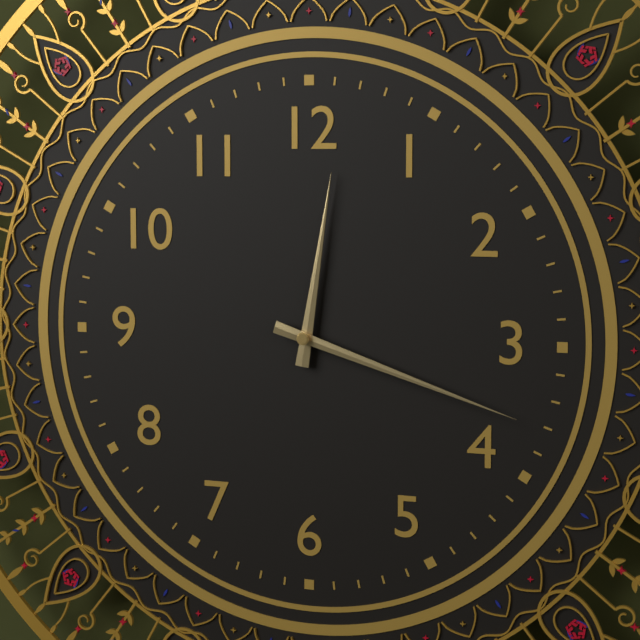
**12:18**
